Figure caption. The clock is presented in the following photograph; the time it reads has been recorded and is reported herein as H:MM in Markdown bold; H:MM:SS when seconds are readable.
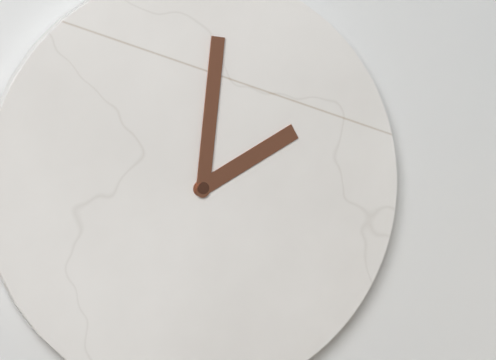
**2:01**
